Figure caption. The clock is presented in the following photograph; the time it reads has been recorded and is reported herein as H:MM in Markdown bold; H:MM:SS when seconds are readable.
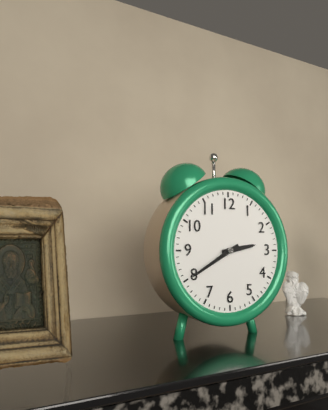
**2:40**
